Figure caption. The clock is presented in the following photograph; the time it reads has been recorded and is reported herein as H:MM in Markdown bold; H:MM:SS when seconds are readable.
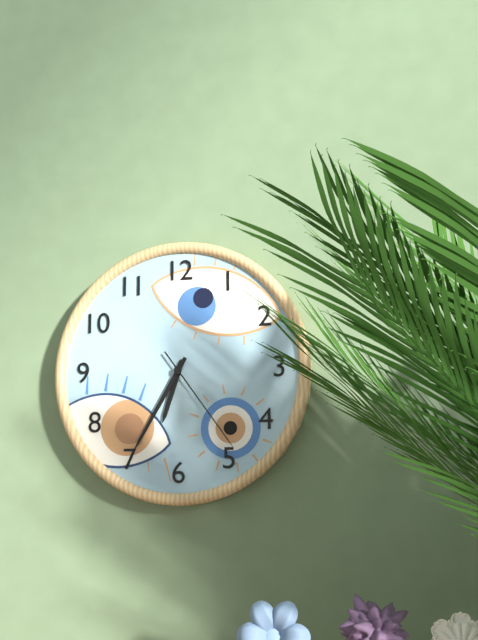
**6:35:24**
